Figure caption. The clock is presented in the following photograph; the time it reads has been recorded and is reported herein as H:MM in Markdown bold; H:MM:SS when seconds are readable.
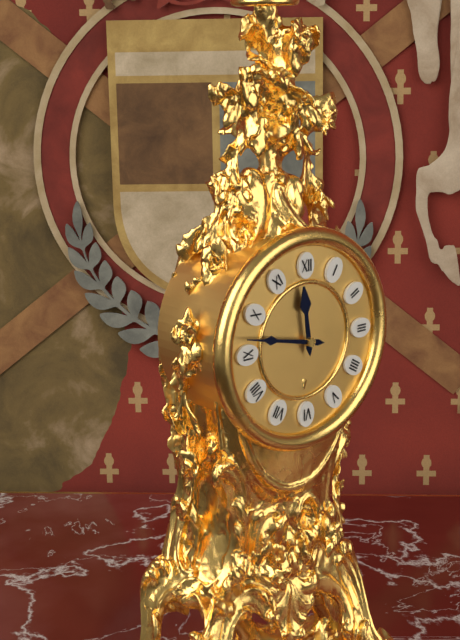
**11:47**
